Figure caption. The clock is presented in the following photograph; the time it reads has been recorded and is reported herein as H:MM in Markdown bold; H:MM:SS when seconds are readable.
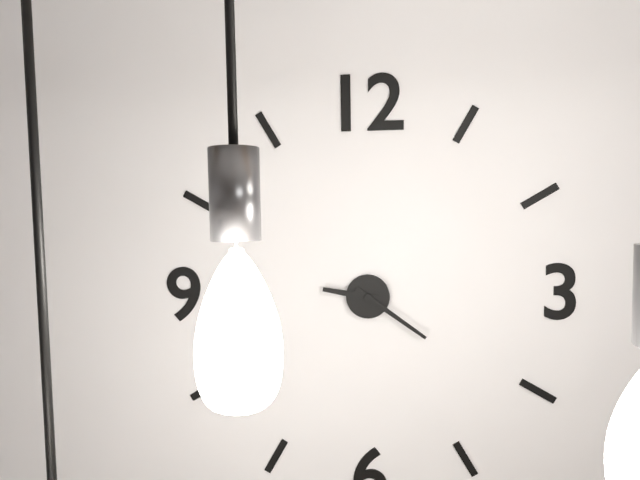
**9:21**
